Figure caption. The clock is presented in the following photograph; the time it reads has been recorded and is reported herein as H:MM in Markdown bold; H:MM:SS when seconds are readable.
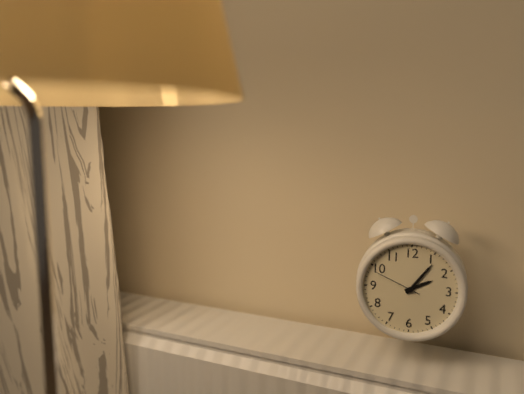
**2:06**
